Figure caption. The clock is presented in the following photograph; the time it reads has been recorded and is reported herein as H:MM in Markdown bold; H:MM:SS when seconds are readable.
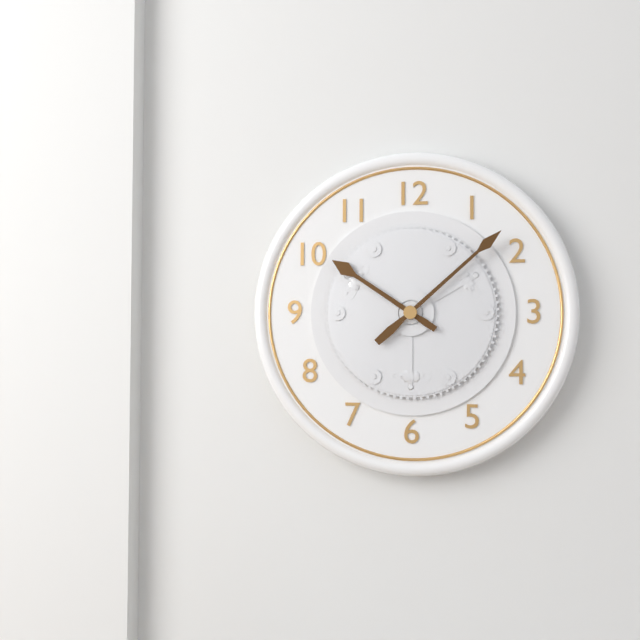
**10:08**
